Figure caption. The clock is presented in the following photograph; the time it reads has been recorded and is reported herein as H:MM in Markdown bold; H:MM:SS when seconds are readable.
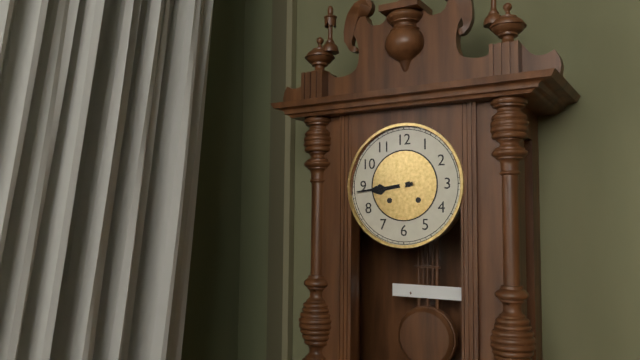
**8:44**
